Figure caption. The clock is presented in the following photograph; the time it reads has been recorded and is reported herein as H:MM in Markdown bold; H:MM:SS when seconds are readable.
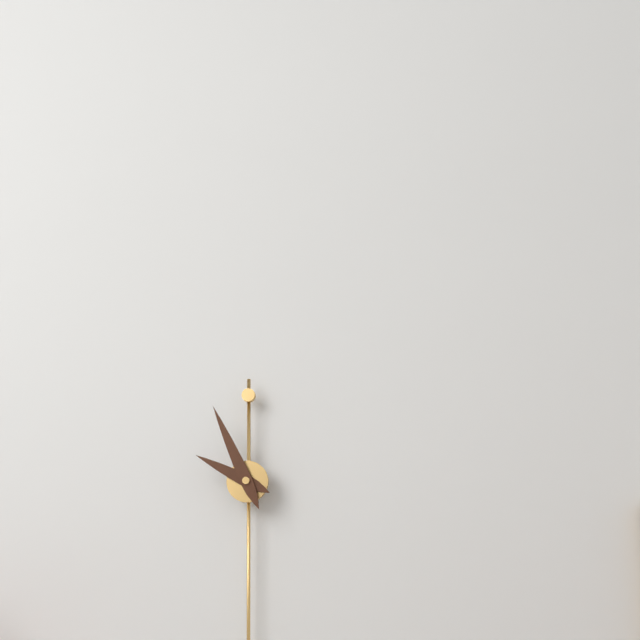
**9:56**
